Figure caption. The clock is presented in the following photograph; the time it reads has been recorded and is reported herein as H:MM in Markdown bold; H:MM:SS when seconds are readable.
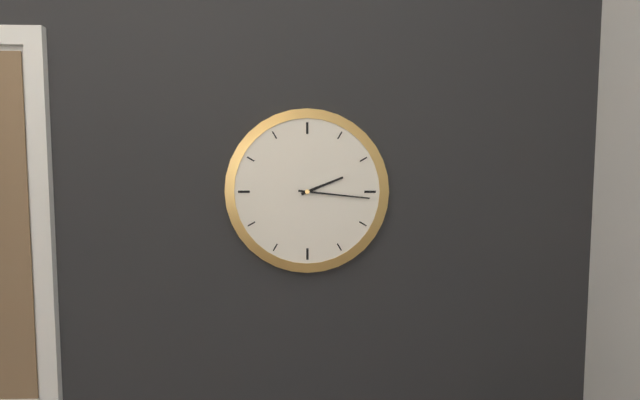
**2:16**
